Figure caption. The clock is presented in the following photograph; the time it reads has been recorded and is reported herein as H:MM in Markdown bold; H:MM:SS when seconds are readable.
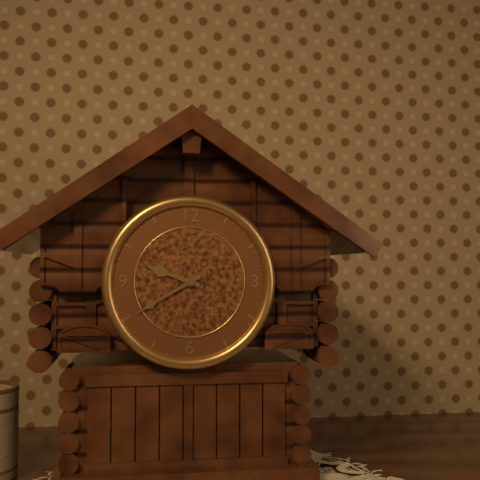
**9:40**
